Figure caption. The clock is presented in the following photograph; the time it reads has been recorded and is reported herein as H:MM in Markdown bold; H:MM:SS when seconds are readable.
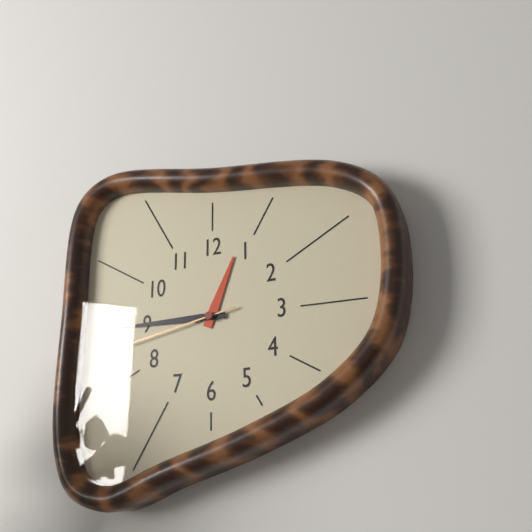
**12:45:43**
